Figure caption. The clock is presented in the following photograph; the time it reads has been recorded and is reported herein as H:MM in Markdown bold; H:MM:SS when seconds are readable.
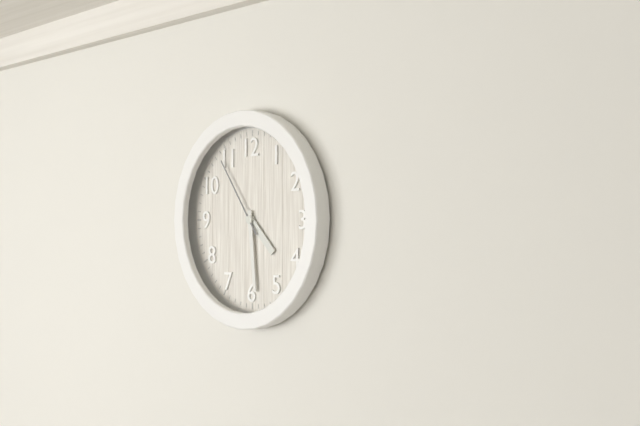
**4:29:54**
